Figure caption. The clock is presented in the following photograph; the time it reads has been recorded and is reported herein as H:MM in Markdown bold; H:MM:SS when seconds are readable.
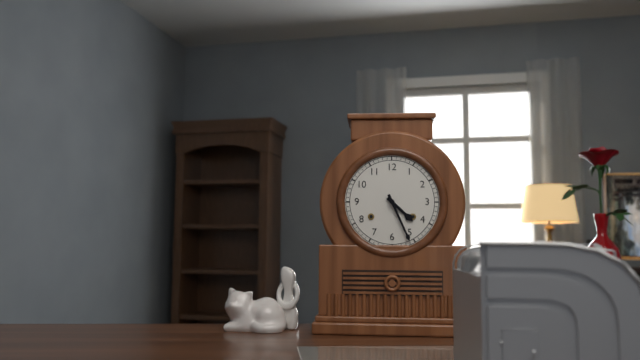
**4:26**
